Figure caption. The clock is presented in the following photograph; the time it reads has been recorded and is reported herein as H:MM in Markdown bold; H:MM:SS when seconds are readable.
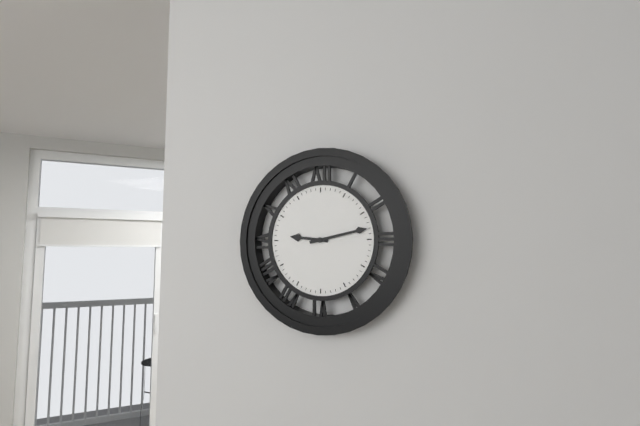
**9:13**
